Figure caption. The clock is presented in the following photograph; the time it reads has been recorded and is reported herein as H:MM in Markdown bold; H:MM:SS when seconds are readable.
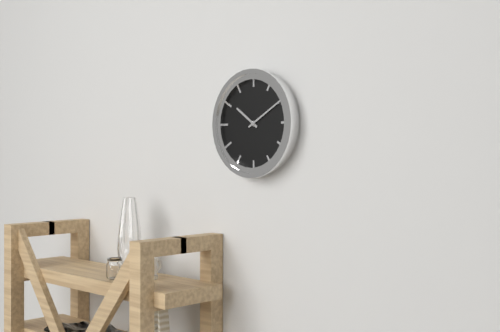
**10:10**
